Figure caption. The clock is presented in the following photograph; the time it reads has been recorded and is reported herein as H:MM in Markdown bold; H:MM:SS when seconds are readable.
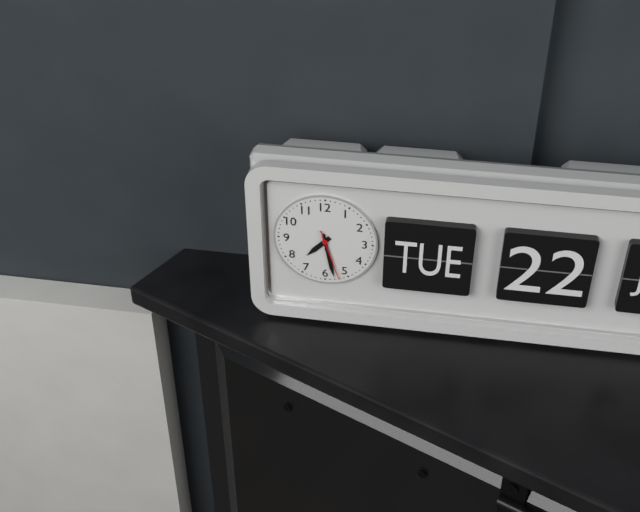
**7:28:27**
